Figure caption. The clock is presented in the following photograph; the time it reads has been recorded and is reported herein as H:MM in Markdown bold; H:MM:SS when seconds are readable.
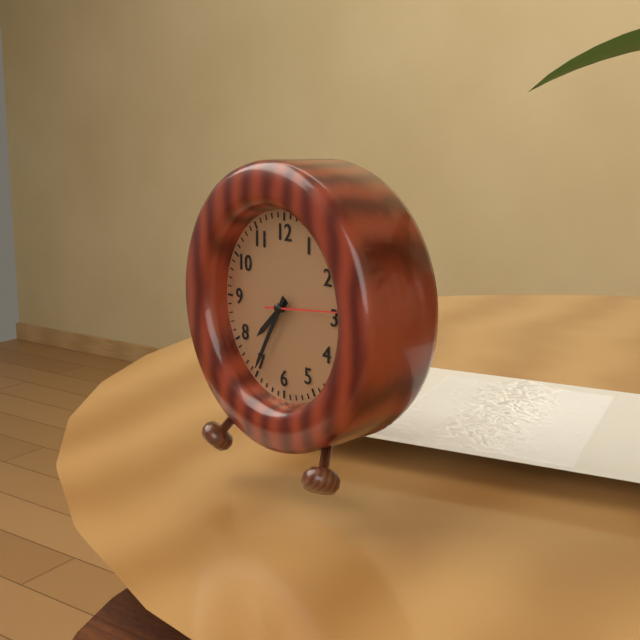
**7:35:14**
